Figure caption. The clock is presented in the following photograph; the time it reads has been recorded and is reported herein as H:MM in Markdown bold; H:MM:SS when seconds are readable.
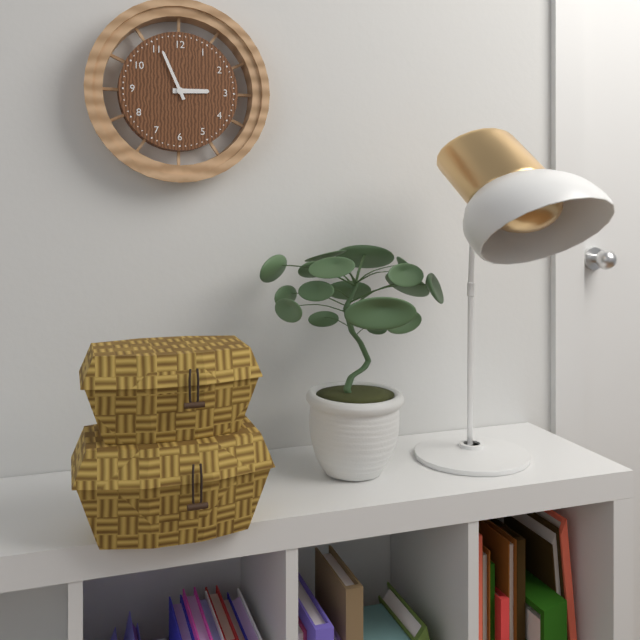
**2:56**
